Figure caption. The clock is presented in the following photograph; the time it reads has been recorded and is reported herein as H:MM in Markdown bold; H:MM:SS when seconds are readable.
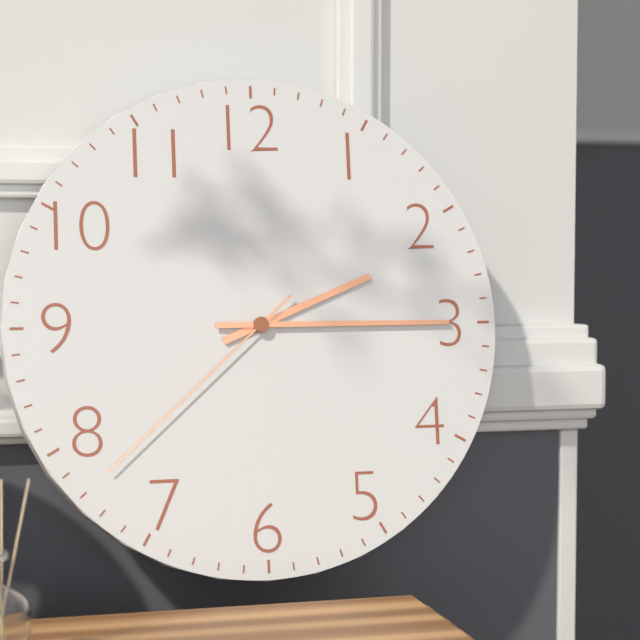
**2:15:38**
